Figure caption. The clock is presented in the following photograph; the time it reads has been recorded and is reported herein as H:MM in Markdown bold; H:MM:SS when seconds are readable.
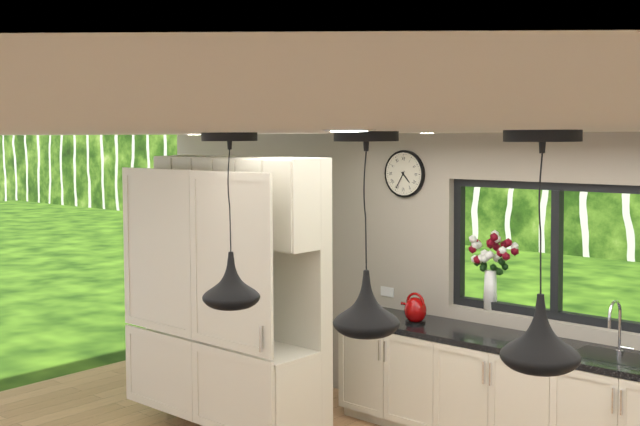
**4:35**
